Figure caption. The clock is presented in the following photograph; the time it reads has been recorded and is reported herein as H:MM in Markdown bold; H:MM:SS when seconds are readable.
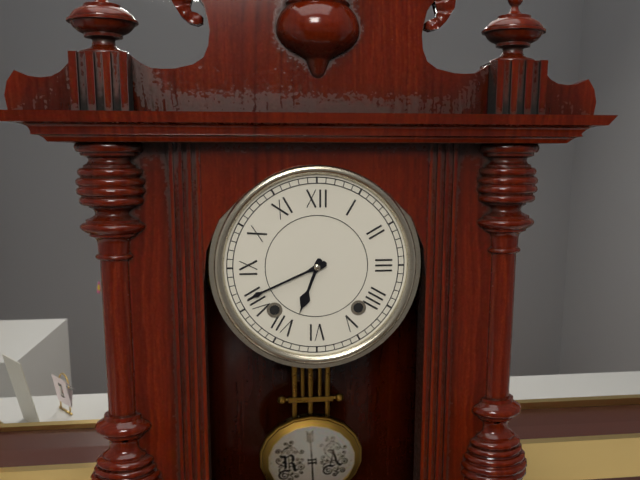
**6:41**
